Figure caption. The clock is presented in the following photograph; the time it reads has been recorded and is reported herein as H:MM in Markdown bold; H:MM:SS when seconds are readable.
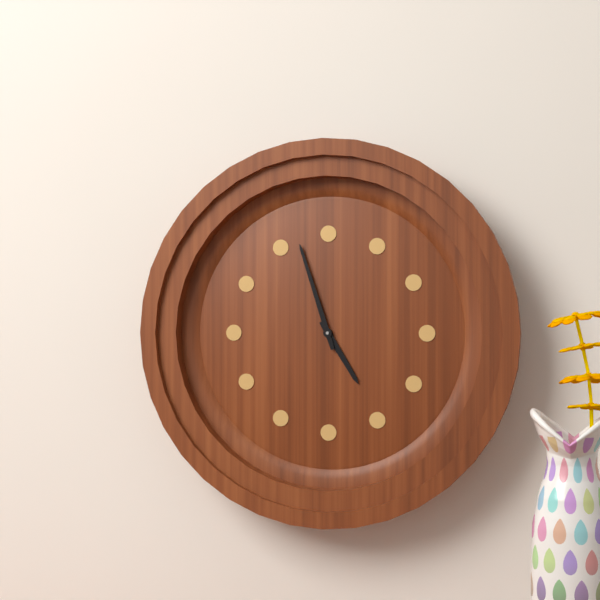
**4:57**
